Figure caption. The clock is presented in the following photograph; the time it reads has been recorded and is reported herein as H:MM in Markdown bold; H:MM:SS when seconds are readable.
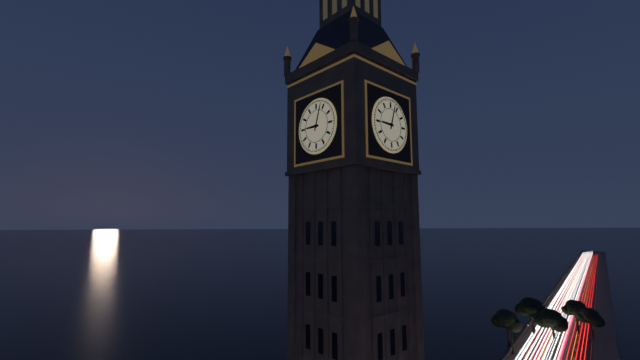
**9:03**
